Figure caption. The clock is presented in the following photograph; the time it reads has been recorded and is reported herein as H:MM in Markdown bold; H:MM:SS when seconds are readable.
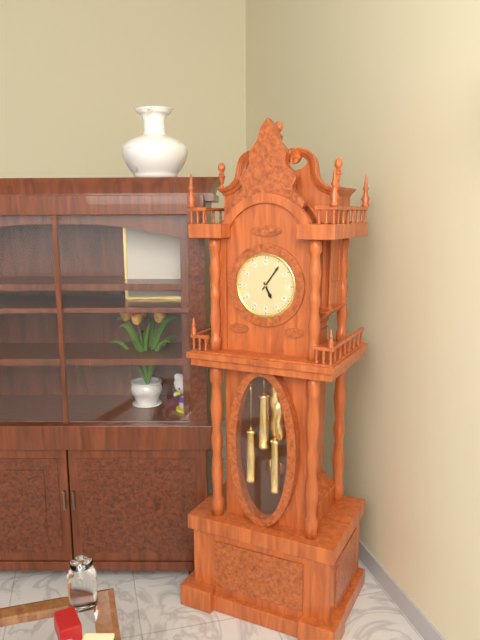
**5:06**
